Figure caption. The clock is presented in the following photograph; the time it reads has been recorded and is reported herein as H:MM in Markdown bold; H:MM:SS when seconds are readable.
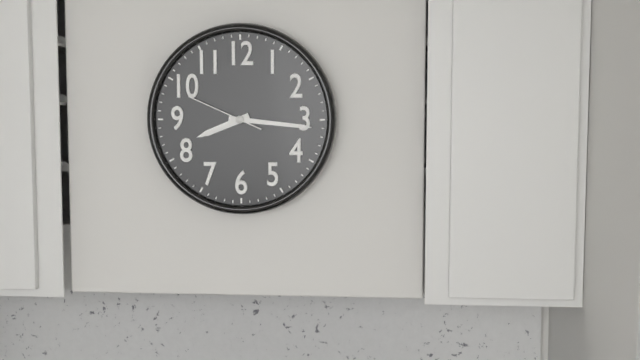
**8:16:49**
